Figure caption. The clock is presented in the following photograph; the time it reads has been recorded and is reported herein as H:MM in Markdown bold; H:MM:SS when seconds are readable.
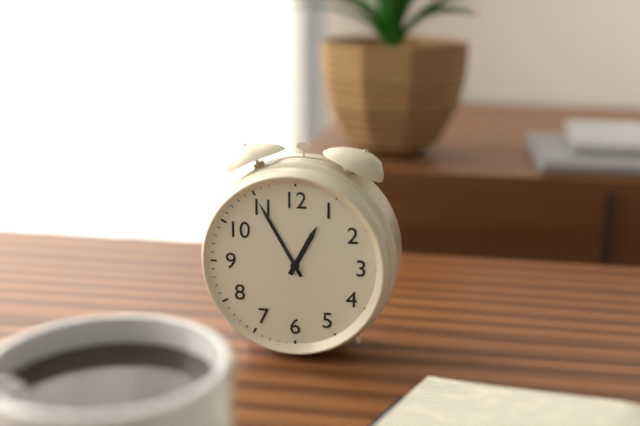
**12:55**
